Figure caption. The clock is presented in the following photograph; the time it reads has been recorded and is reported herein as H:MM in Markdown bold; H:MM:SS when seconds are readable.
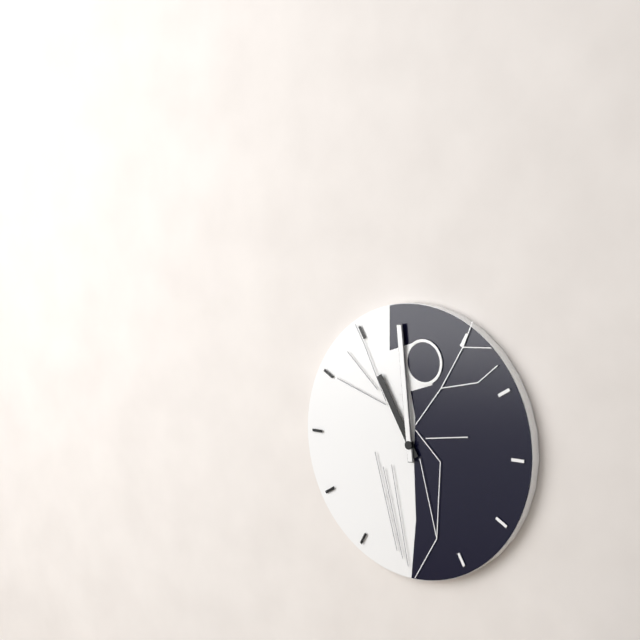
**10:59**
